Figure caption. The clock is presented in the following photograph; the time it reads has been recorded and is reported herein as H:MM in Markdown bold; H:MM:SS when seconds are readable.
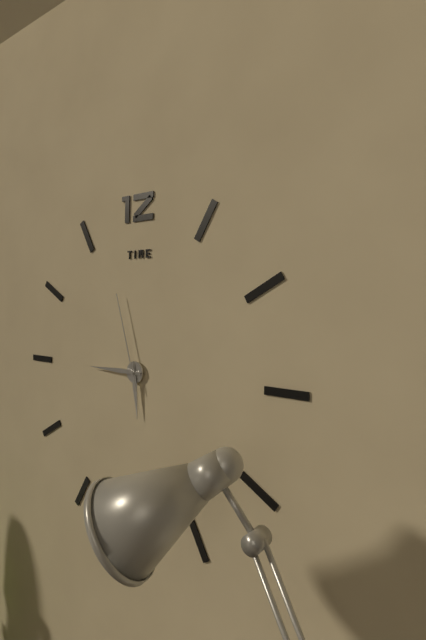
**5:45:57**
